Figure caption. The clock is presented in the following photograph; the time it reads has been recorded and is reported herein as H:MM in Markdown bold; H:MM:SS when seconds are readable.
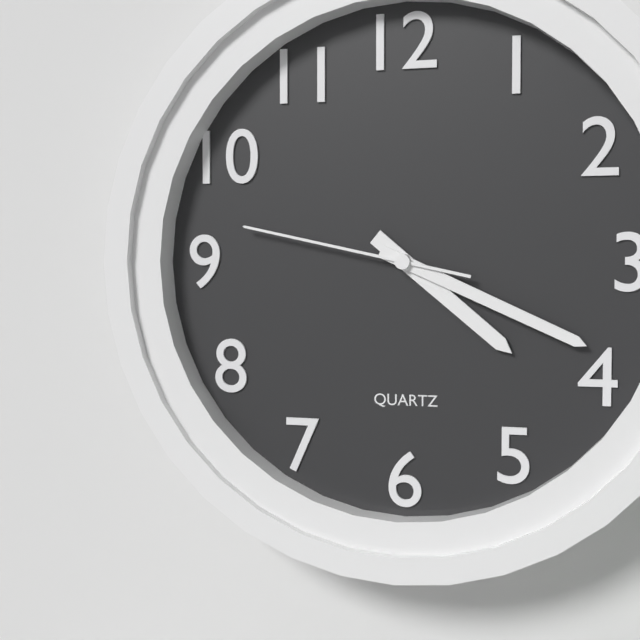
**4:19:47**
